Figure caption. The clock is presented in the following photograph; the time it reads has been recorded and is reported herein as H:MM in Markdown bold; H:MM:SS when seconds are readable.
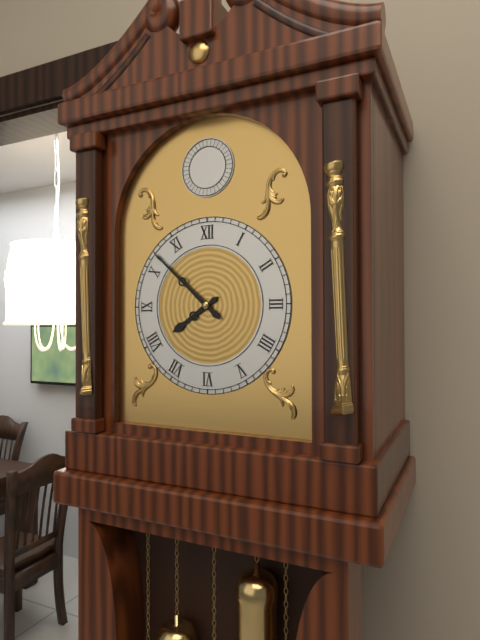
**7:52**
